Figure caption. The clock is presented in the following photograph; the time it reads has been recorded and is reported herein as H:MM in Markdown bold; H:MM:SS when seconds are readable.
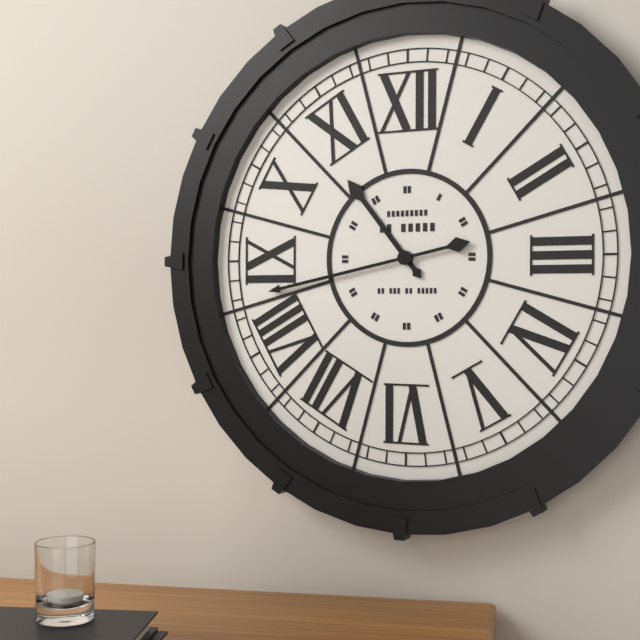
**10:43**
